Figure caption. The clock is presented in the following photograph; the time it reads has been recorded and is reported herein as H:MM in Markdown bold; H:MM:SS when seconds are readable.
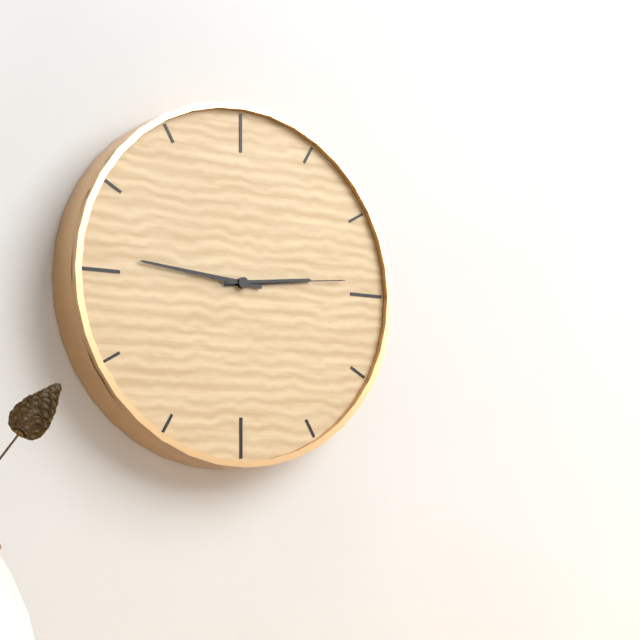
**2:46:14**
